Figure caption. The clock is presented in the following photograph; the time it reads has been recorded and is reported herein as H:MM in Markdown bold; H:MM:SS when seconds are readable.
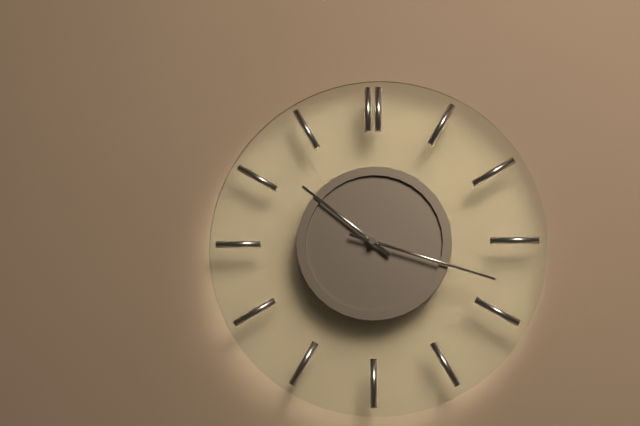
**10:18**
